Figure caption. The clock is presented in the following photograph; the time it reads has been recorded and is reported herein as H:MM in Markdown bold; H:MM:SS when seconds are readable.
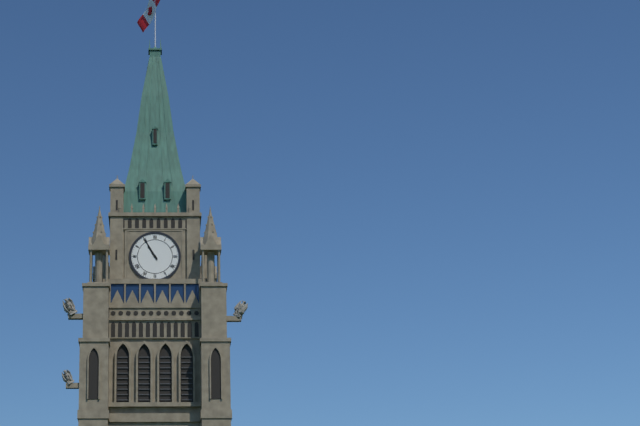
**10:55**
